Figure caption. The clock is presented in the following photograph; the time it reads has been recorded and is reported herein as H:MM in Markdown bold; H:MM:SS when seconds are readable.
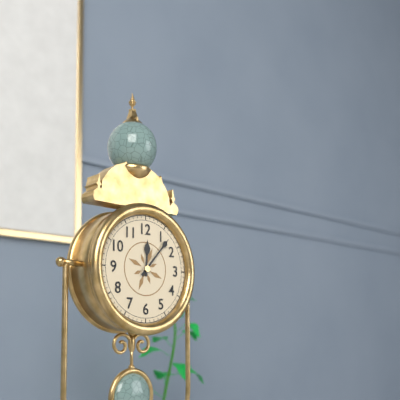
**12:07**
